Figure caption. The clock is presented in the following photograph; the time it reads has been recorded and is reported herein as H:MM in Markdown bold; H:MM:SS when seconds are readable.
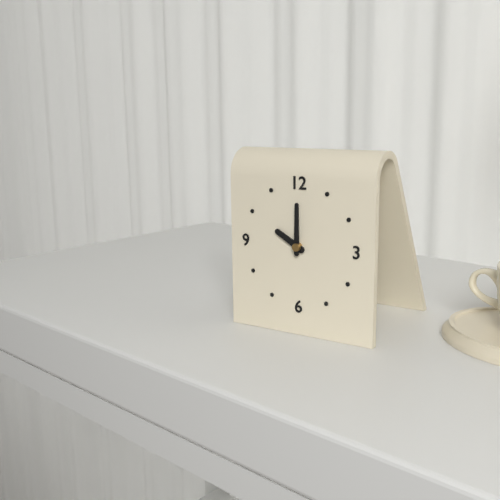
**10:00**
